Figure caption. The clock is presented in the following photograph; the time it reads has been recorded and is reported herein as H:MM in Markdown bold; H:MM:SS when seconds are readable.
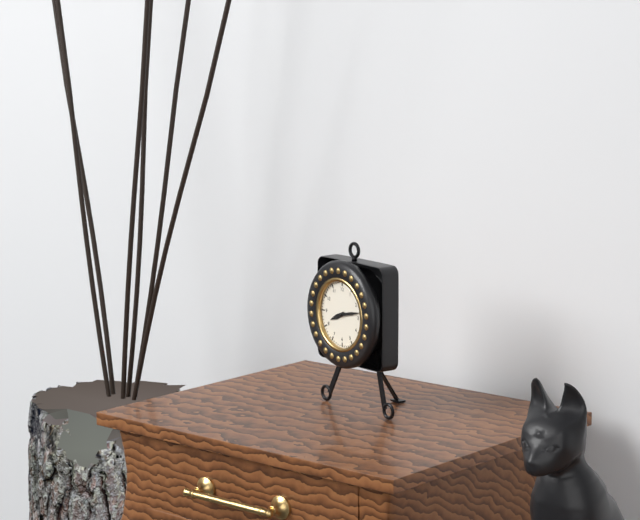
**8:13**
